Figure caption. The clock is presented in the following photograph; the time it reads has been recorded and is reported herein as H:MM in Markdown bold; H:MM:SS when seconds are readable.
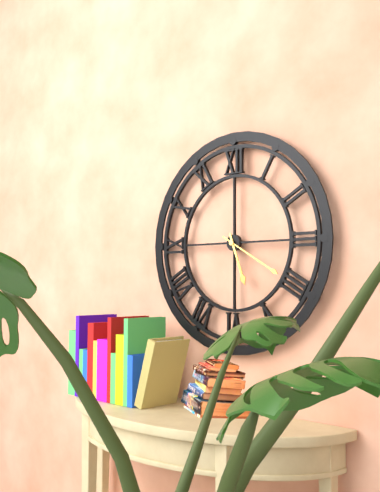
**5:20**
